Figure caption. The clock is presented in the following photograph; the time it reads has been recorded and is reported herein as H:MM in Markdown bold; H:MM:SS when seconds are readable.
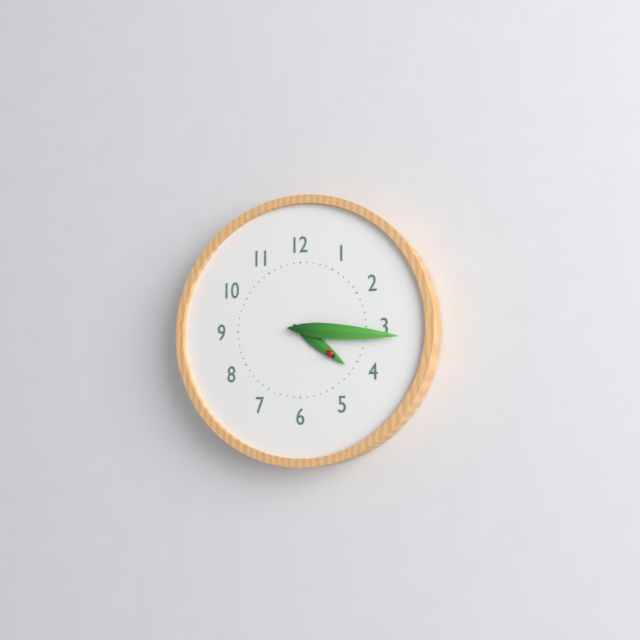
**4:16**
